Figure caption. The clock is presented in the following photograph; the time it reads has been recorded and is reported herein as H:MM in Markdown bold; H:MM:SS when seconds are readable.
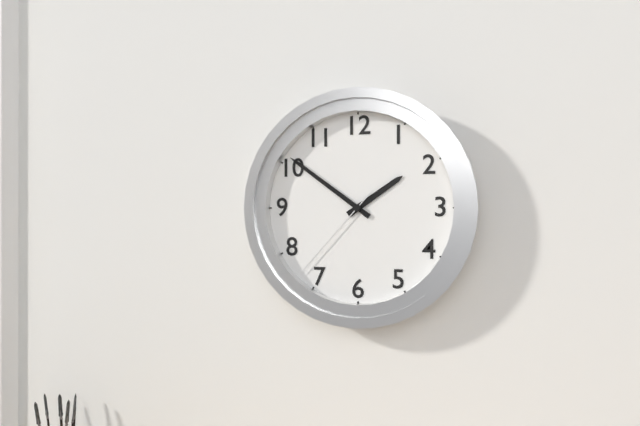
**1:51:37**
